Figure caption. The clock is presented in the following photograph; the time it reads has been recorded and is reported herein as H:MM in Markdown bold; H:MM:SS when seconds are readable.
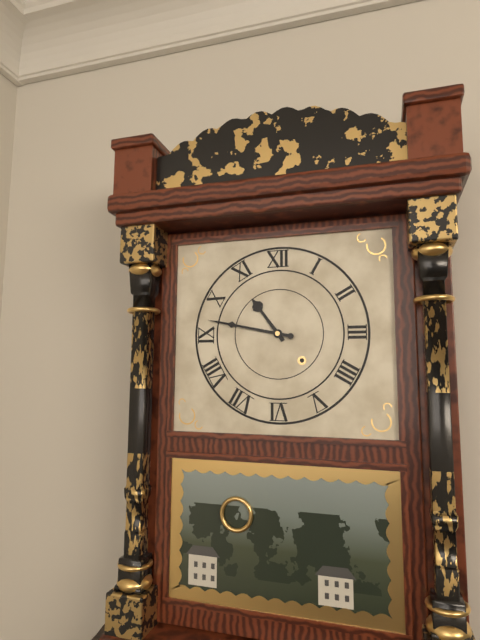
**10:47**
